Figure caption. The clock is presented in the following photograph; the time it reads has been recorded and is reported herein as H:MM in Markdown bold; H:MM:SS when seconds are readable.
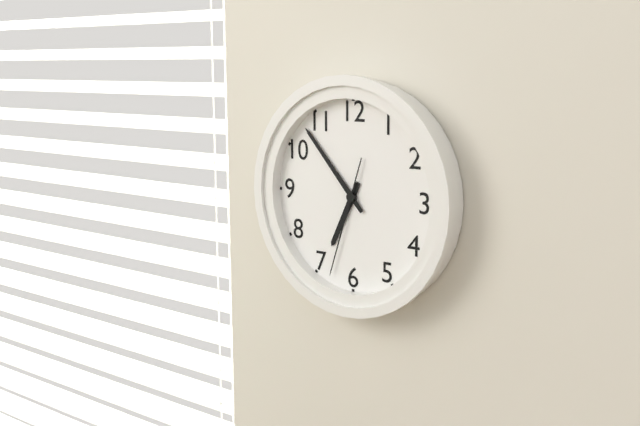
**6:53:33**
